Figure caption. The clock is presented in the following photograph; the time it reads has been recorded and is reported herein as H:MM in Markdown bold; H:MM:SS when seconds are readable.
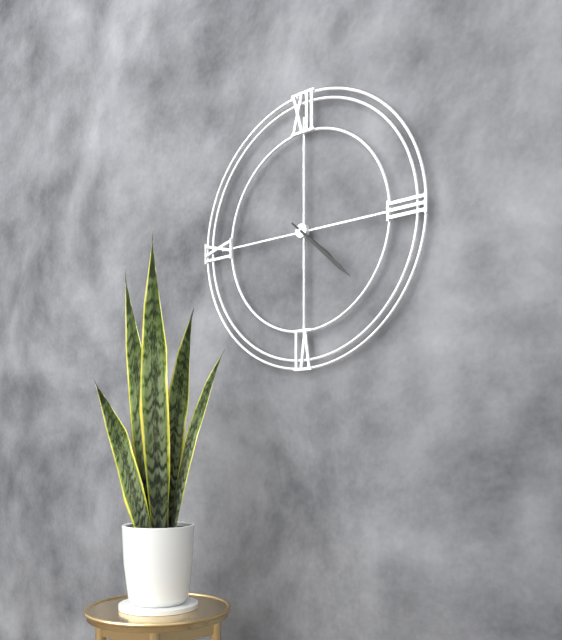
**4:22**
